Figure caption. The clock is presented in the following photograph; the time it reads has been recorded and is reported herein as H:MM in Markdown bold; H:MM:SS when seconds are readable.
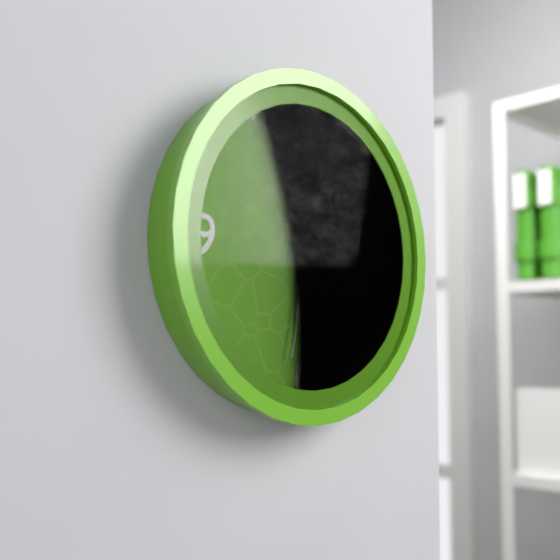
**6:15:32**
